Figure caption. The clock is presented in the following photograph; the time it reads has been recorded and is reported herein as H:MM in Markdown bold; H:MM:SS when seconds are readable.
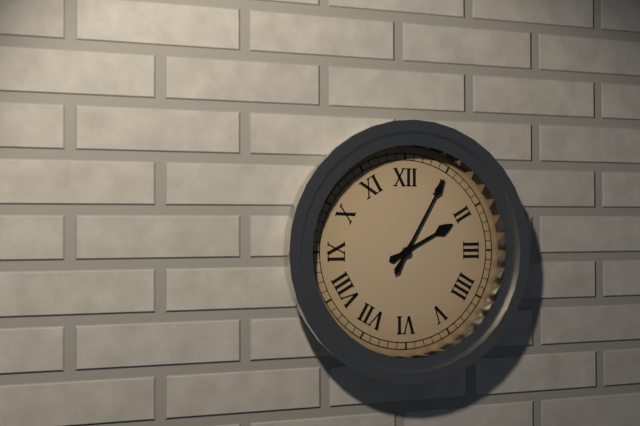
**2:05**
